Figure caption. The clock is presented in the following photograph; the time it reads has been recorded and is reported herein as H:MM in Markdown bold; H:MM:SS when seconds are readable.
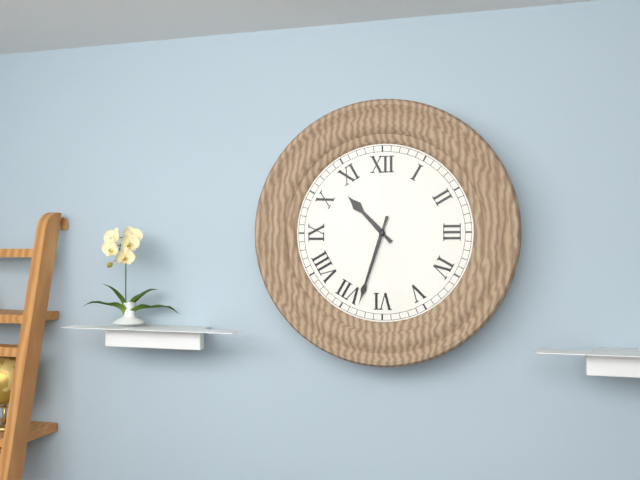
**10:33**
